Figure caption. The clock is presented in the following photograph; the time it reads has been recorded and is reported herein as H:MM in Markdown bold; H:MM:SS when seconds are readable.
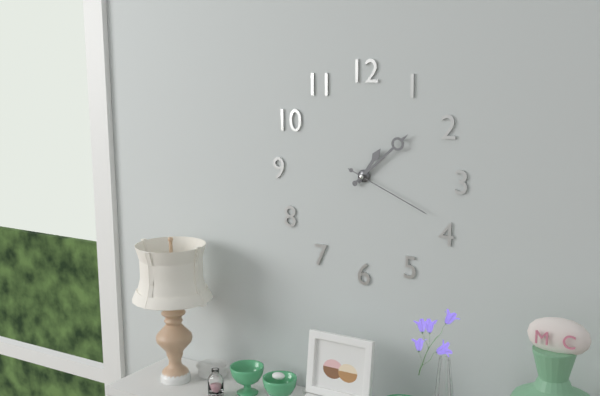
**1:08:19**
